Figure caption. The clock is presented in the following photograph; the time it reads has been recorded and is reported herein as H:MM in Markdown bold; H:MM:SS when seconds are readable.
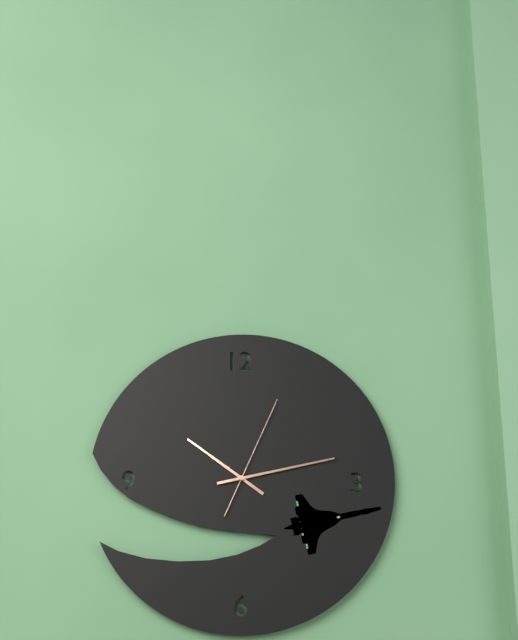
**10:13:04**
